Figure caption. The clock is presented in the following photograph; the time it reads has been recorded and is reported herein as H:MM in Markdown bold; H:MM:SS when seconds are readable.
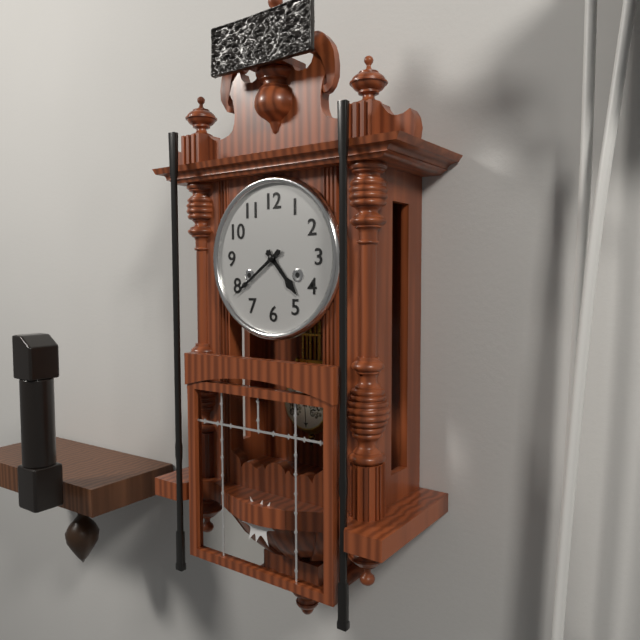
**4:39**
